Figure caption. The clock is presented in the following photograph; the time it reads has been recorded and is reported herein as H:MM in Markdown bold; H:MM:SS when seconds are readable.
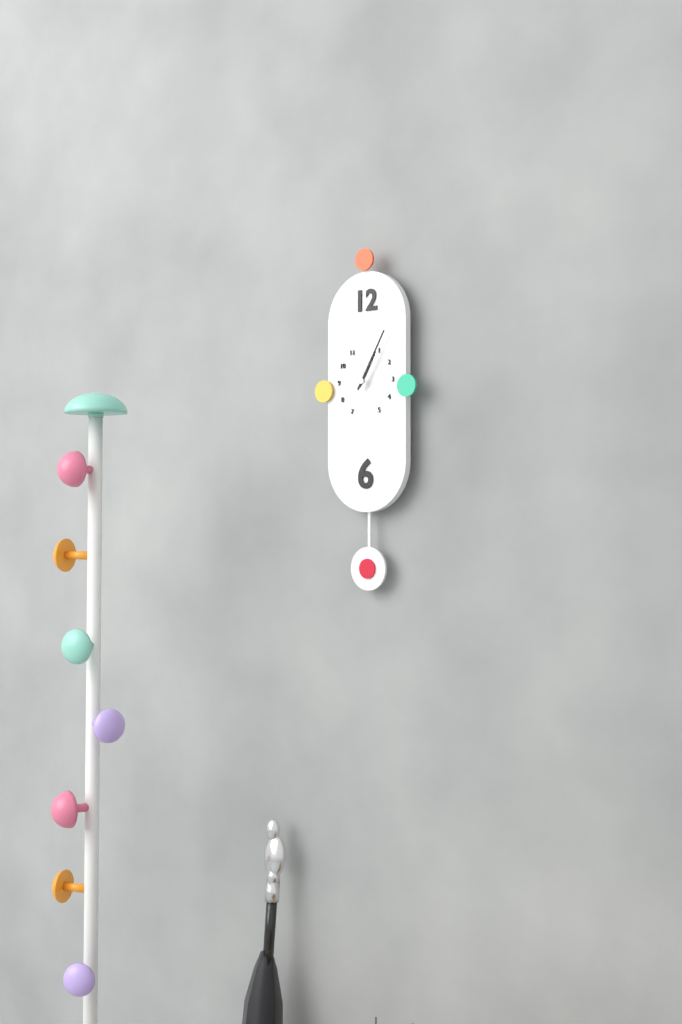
**1:05**
